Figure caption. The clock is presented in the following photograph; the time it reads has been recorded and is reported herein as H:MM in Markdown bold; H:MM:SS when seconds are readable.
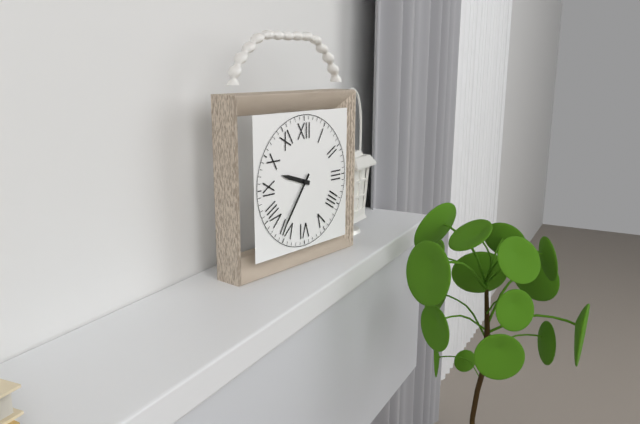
**9:36**
